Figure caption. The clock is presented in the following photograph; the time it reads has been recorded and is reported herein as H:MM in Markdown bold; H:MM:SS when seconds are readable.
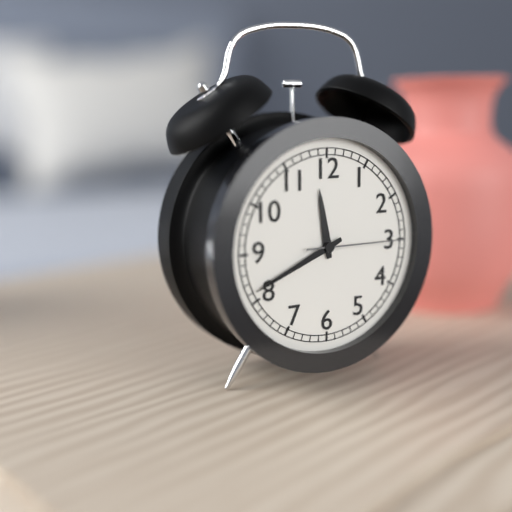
**11:41:15**
